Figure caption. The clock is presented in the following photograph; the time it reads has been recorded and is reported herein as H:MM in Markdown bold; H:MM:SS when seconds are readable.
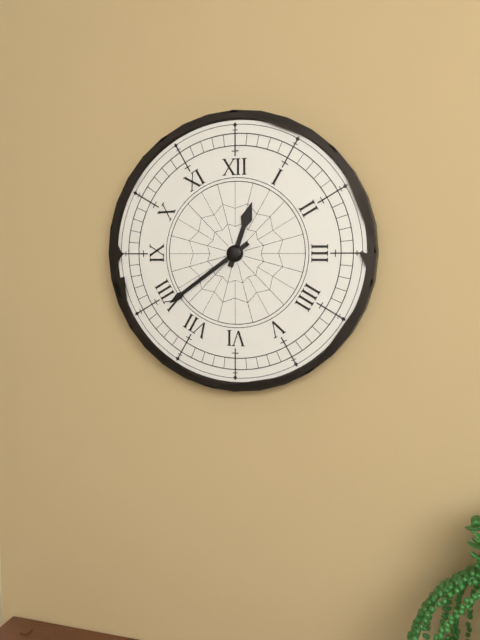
**12:39**
